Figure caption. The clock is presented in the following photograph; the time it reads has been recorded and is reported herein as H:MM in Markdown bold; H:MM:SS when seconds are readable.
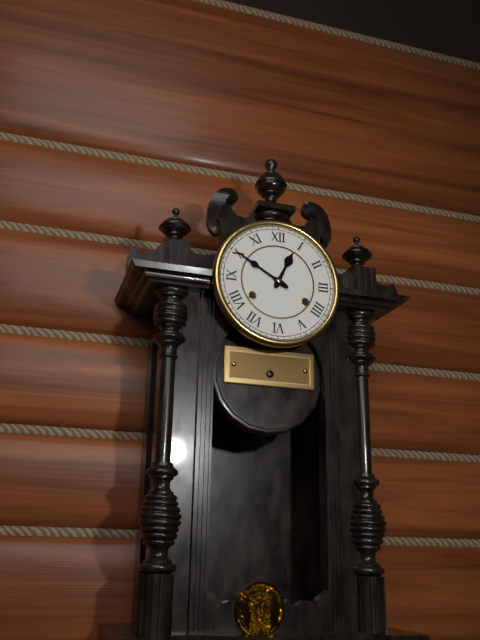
**12:50**
